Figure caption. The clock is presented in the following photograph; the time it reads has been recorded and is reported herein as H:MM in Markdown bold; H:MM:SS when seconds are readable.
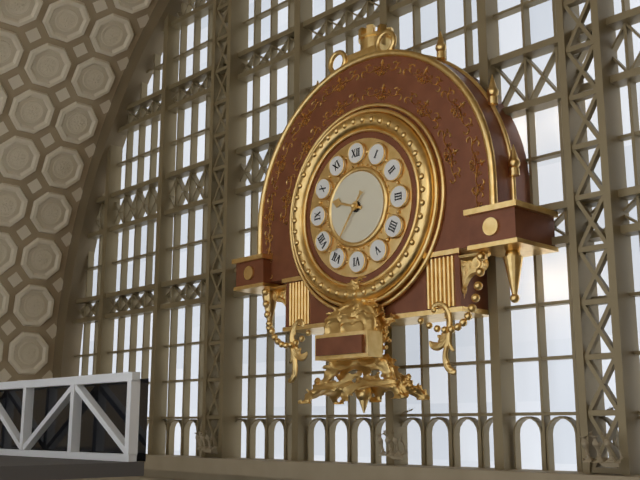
**9:36**
